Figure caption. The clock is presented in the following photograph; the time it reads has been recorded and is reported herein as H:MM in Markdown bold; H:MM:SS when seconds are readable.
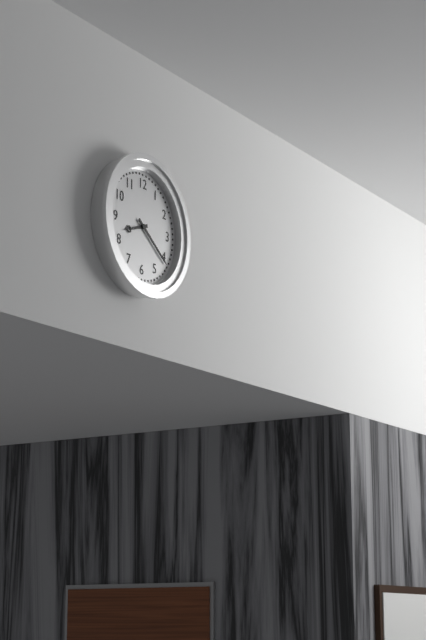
**8:21**
